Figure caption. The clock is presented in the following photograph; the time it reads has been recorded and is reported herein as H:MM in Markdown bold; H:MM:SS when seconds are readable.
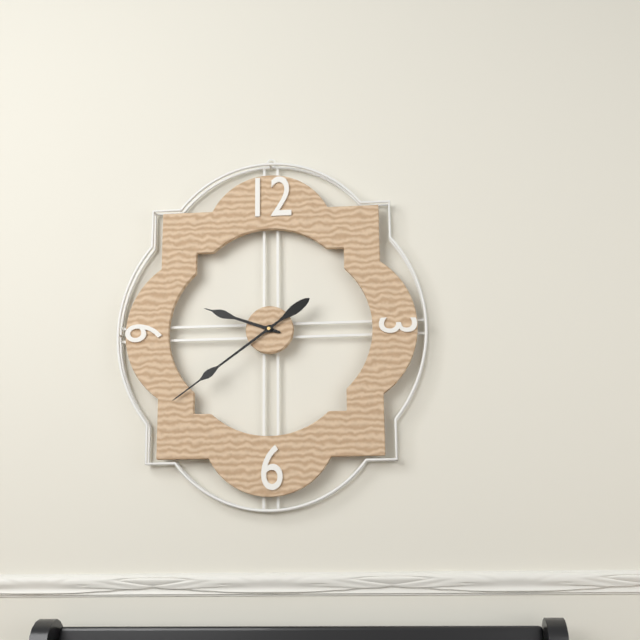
**9:39**
